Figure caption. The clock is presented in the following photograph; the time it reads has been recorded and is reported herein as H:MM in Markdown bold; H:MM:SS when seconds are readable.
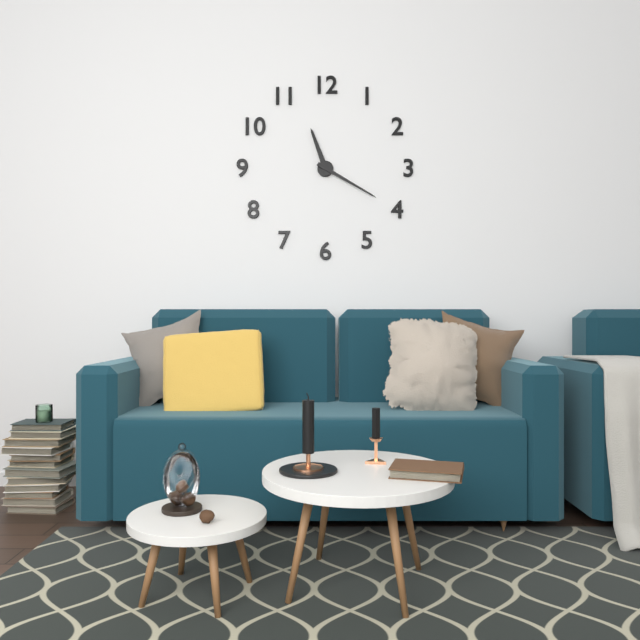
**11:20**
